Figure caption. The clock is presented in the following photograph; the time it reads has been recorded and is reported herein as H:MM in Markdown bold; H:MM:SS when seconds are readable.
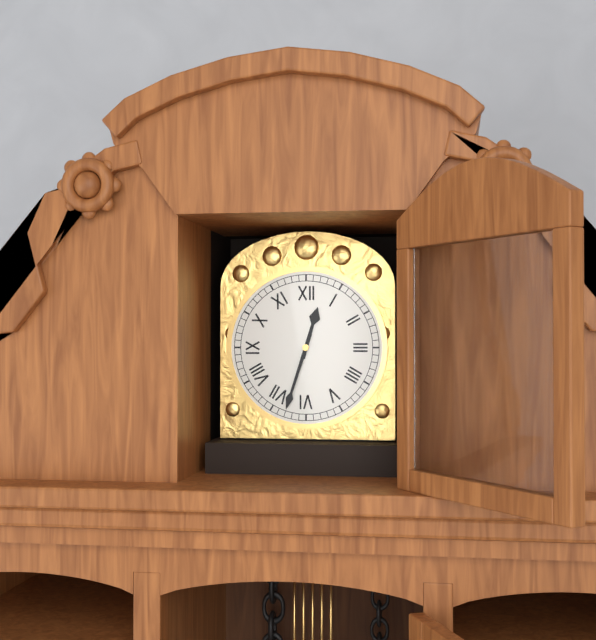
**12:33**
